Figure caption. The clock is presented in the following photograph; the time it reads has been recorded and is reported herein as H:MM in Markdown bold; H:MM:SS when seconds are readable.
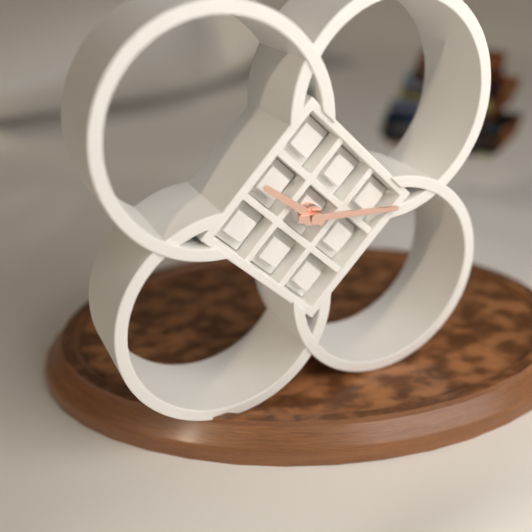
**10:16**
